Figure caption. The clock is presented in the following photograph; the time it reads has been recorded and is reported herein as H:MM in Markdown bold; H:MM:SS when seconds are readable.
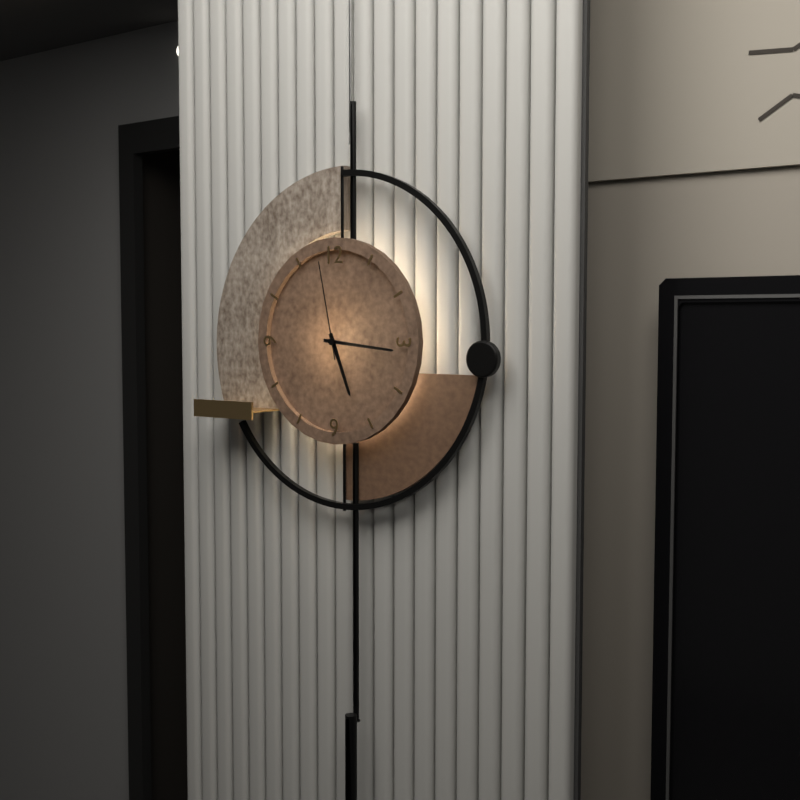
**5:16:58**
